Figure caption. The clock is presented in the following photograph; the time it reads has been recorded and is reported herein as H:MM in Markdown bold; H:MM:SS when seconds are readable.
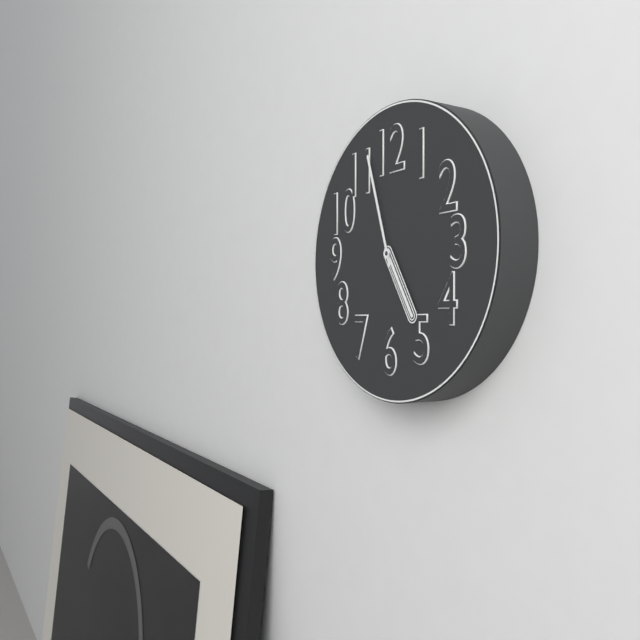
**4:57**
